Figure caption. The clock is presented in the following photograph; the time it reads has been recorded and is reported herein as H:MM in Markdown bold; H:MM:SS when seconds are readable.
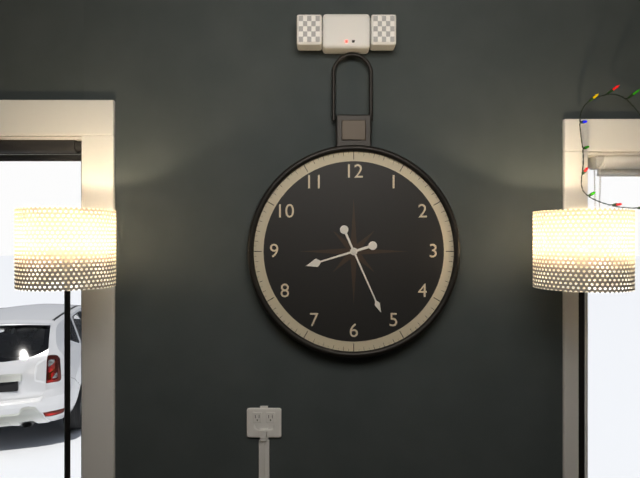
**8:26**
